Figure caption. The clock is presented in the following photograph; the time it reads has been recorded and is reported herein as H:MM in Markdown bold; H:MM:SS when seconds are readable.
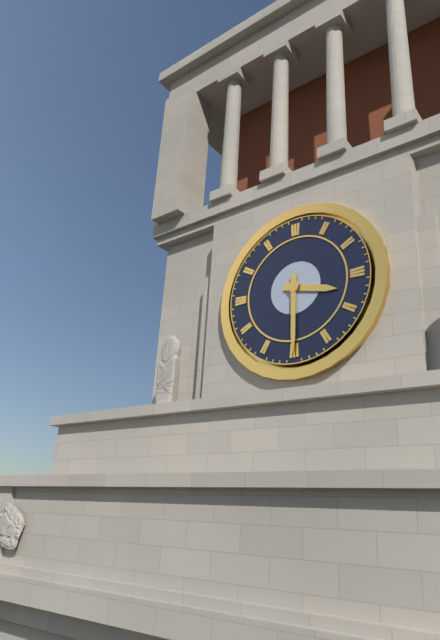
**3:30**
